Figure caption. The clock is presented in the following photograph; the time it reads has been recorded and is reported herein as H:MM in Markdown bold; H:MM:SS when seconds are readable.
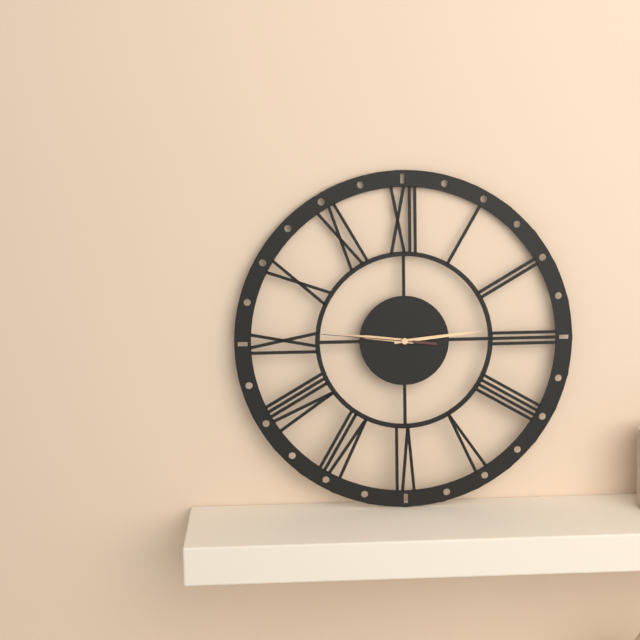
**9:14:46**
